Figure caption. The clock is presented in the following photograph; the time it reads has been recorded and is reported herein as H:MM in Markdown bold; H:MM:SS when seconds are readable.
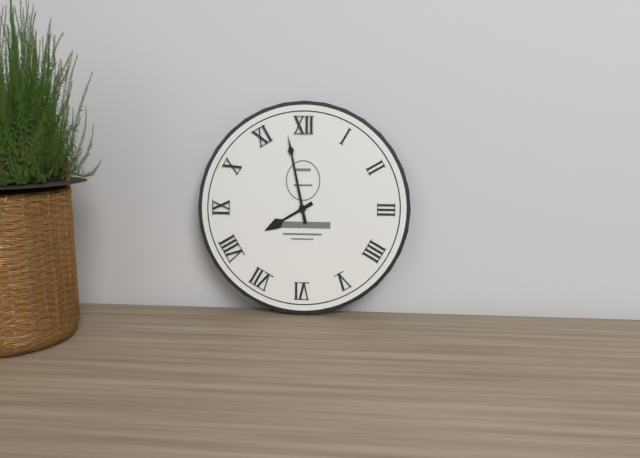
**7:58**
